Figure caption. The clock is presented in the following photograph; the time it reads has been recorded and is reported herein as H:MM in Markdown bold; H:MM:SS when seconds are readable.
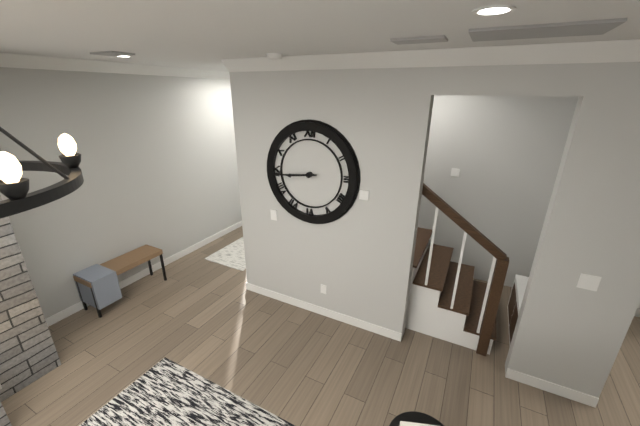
**8:44**
